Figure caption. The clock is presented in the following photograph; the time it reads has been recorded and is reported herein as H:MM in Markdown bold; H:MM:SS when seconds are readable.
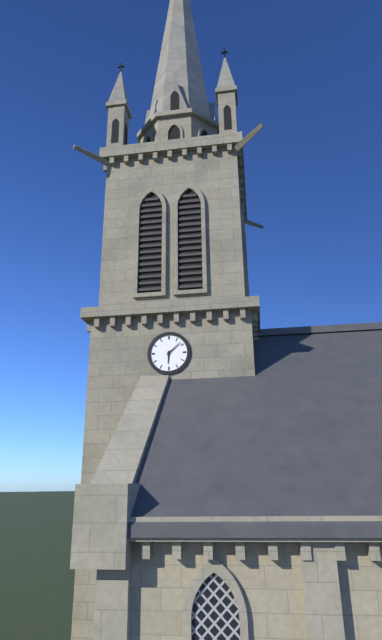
**6:08**
